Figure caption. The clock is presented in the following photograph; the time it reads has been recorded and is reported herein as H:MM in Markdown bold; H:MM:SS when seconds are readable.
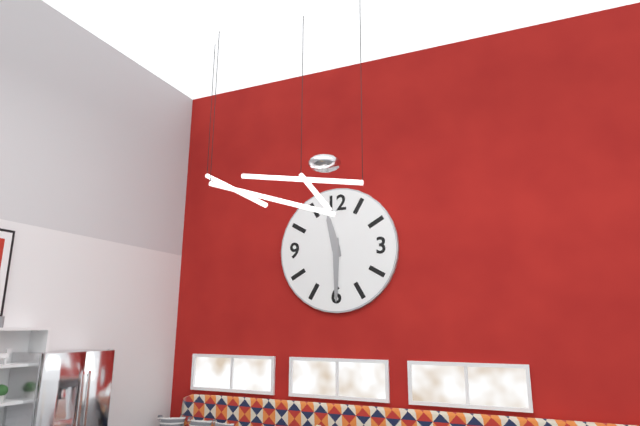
**11:30**
